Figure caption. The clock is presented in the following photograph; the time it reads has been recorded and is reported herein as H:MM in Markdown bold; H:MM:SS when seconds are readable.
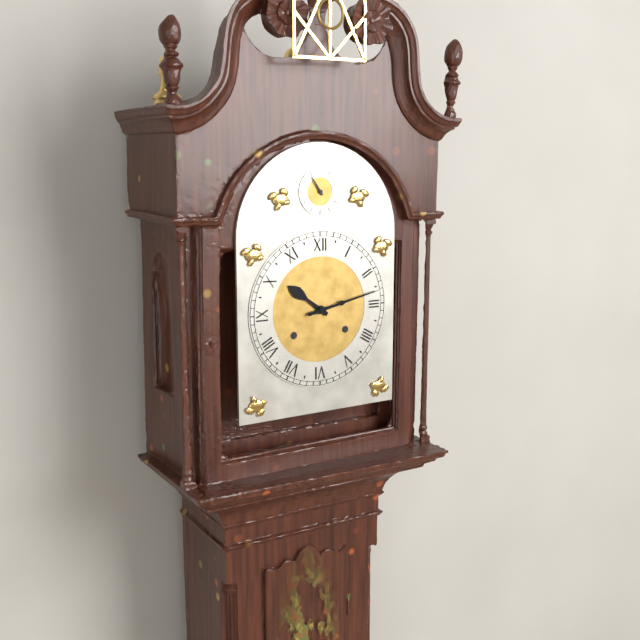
**10:13**
